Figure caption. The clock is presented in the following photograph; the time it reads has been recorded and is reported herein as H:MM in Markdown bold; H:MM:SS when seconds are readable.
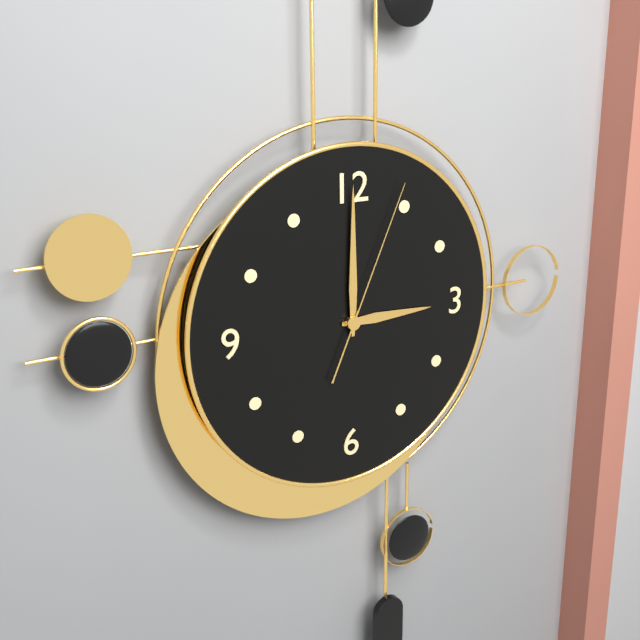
**3:00:04**
